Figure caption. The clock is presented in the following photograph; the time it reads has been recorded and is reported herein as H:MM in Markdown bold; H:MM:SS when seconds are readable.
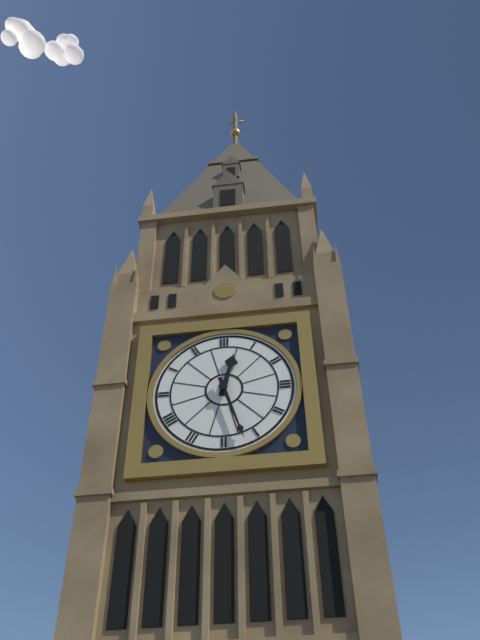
**12:27**
